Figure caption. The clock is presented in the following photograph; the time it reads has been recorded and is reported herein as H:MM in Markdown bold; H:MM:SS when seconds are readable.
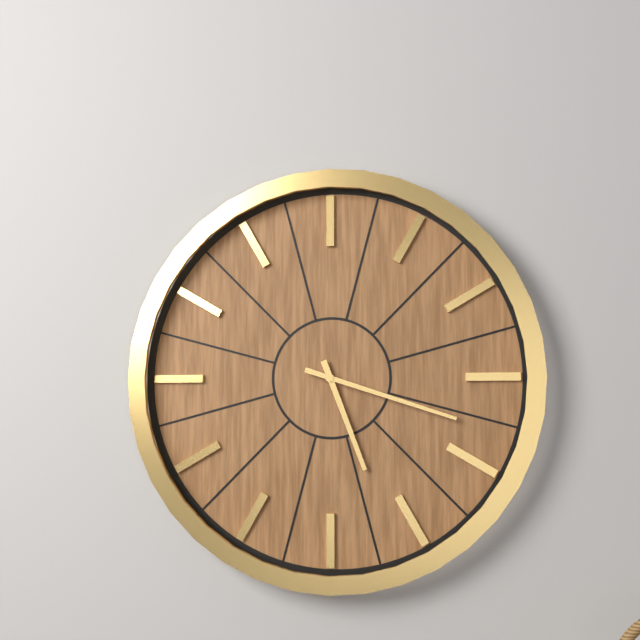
**5:18**
